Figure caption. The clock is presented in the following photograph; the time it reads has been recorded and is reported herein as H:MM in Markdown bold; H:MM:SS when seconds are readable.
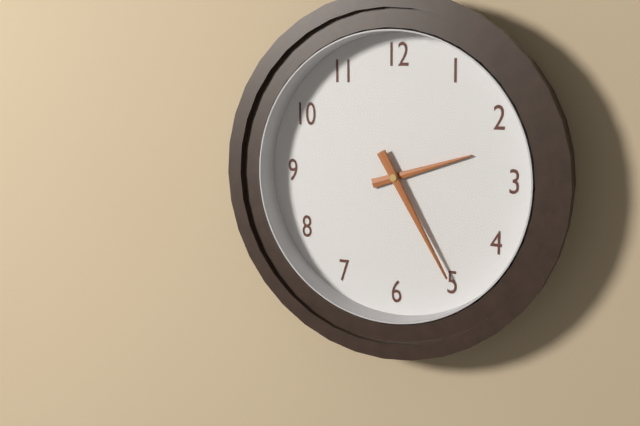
**2:25**
